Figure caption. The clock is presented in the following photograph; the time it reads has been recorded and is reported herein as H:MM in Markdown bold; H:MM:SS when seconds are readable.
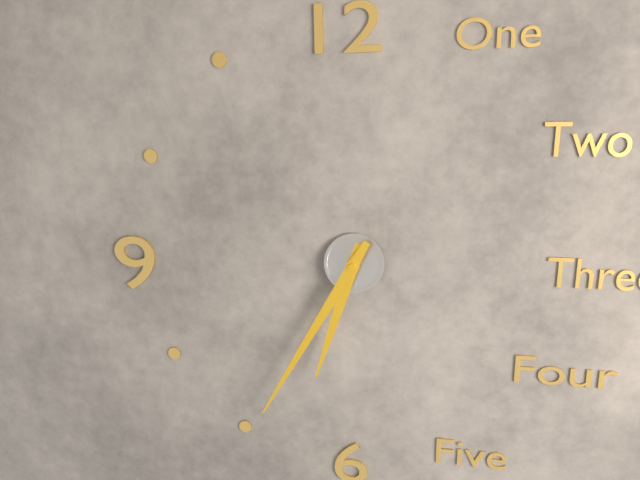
**6:35**
